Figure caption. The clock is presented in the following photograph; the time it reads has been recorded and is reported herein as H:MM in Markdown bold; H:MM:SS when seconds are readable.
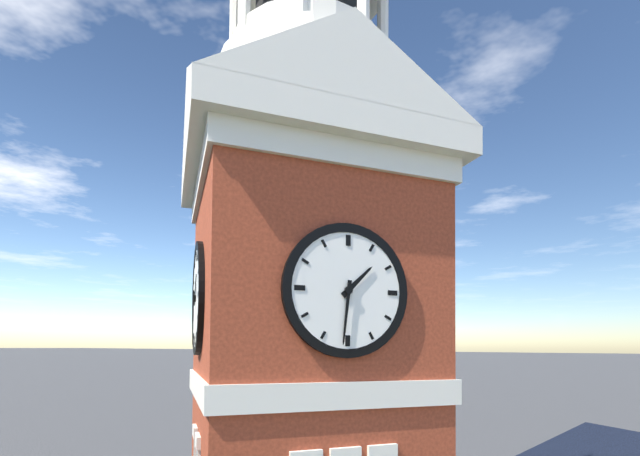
**1:31**
